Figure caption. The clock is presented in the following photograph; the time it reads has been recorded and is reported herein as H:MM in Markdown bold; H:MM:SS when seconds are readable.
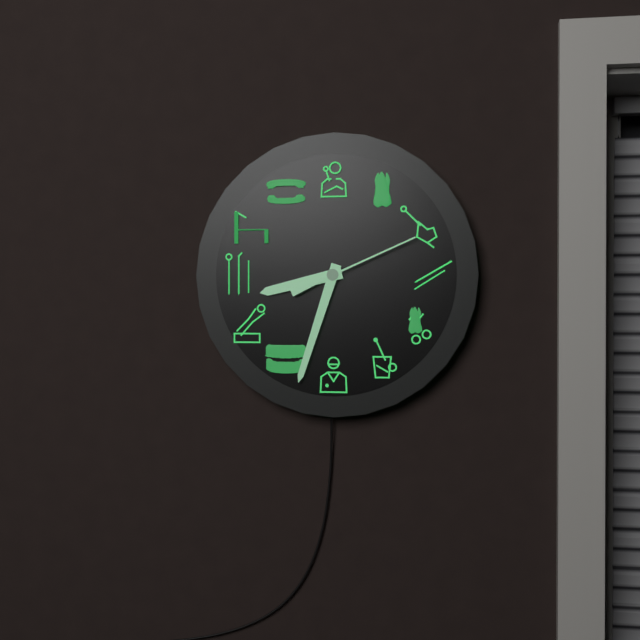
**8:33:11**
